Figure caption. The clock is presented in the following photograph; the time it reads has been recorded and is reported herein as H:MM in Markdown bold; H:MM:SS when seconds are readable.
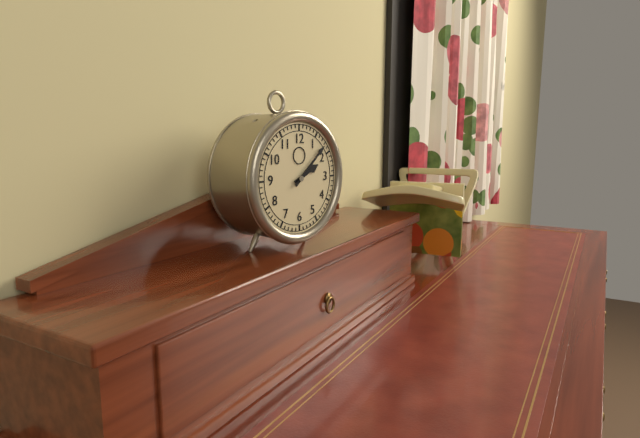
**2:08**
